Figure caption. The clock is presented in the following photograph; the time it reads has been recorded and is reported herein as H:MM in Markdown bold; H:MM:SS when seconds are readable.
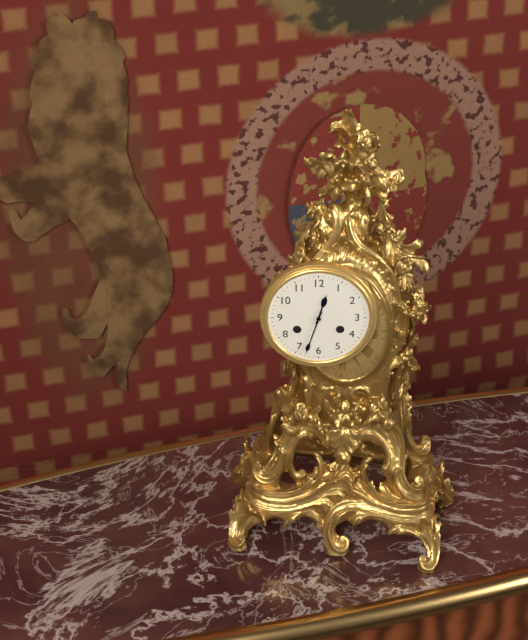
**12:33**
